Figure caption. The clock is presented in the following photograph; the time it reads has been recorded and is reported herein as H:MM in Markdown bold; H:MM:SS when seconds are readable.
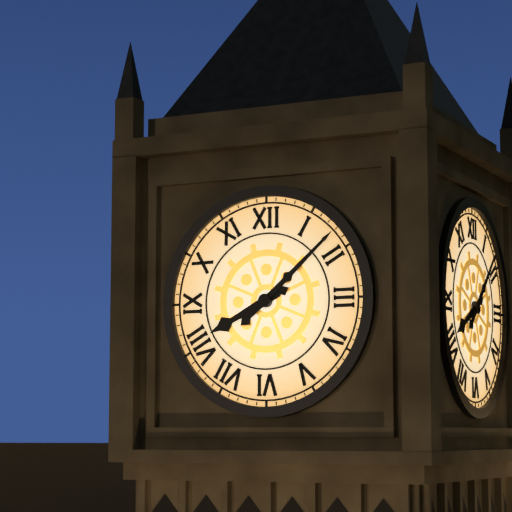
**8:08**
